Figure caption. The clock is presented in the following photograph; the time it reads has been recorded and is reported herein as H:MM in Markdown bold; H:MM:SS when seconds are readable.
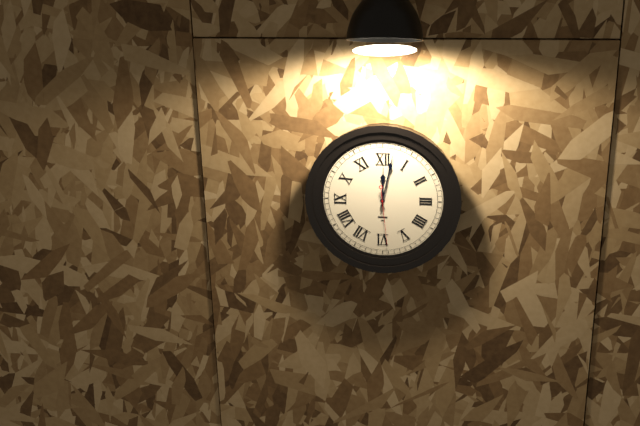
**12:02:29**
